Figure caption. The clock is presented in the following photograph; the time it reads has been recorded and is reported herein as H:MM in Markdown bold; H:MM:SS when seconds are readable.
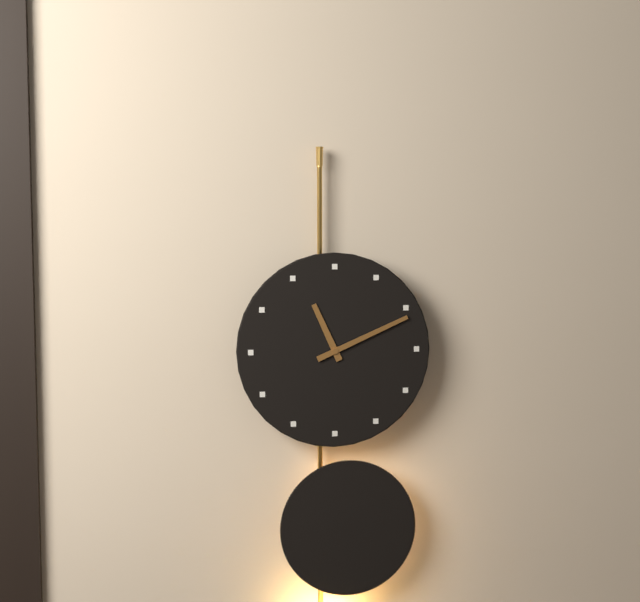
**11:11**
